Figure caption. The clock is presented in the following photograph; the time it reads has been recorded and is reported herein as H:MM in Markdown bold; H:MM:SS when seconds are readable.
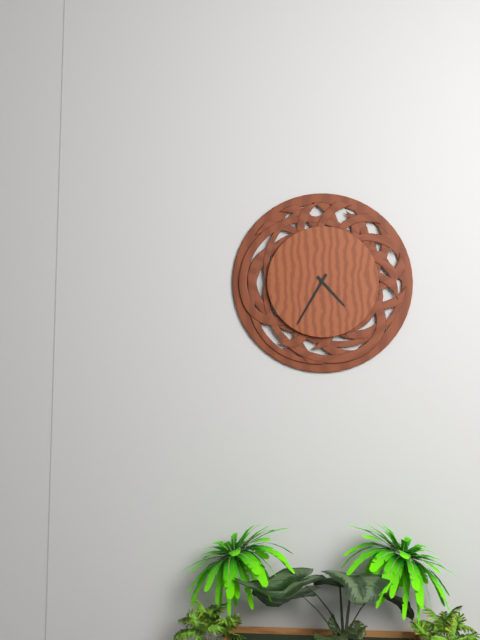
**4:35**
